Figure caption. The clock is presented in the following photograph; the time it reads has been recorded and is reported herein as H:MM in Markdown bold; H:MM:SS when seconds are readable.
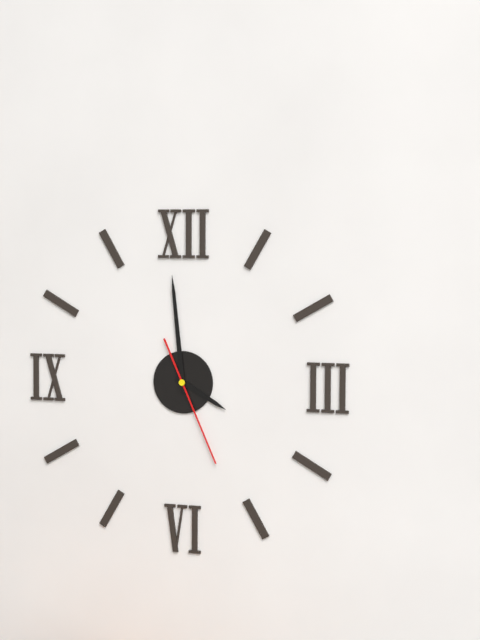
**3:59:26**
